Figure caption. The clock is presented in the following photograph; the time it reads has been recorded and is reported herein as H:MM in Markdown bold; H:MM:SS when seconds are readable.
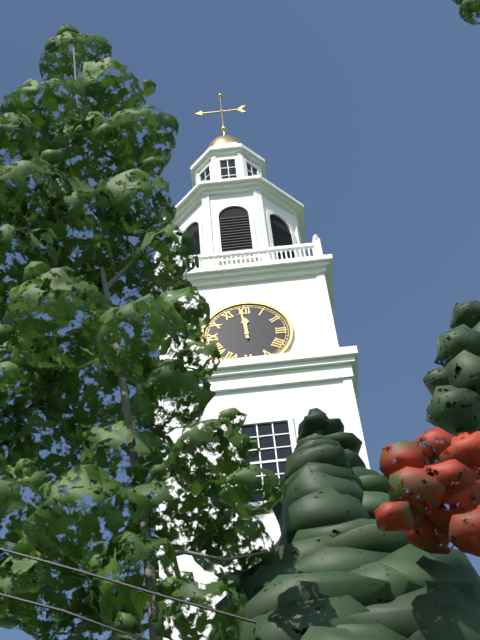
**11:59**
